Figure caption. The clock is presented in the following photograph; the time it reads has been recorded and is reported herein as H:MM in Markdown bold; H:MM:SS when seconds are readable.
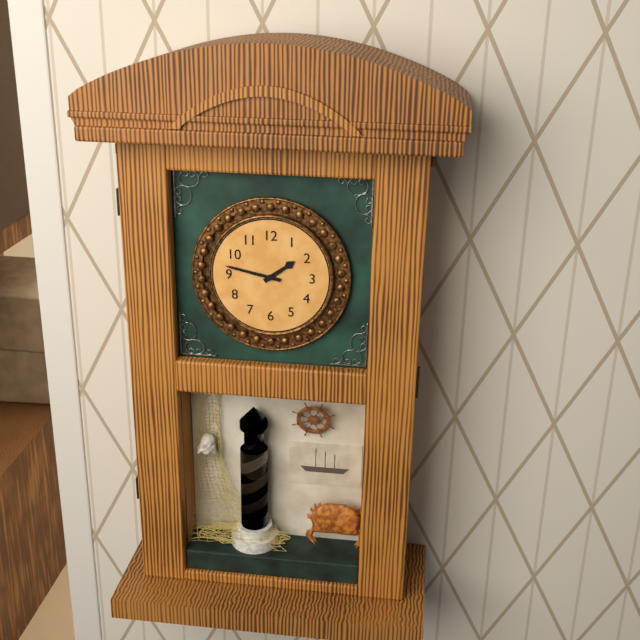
**1:47**
